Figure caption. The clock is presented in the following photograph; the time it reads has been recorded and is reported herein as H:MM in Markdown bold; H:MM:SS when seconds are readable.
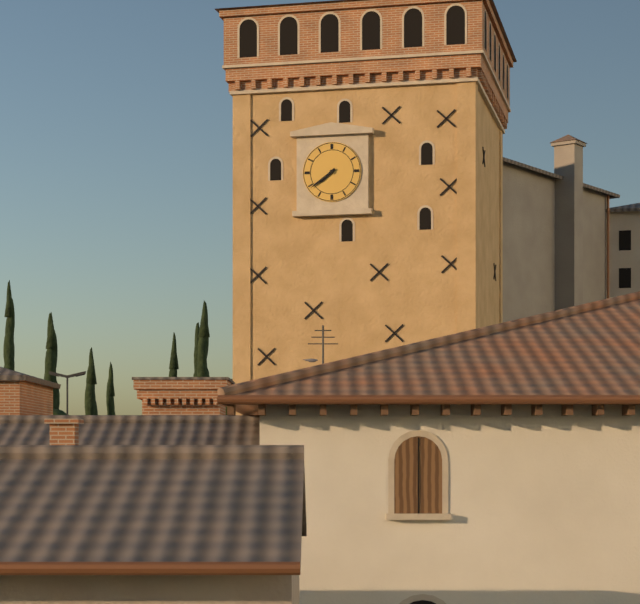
**7:39**
